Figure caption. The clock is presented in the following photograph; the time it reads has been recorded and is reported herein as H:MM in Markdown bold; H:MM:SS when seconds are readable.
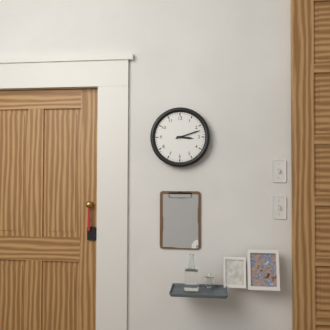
**3:12**
